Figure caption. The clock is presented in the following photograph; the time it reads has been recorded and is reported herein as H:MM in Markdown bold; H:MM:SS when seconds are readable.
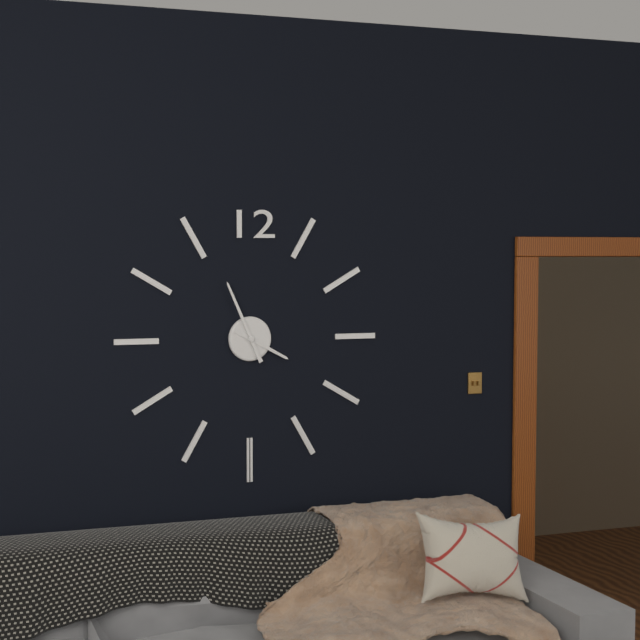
**3:56**
